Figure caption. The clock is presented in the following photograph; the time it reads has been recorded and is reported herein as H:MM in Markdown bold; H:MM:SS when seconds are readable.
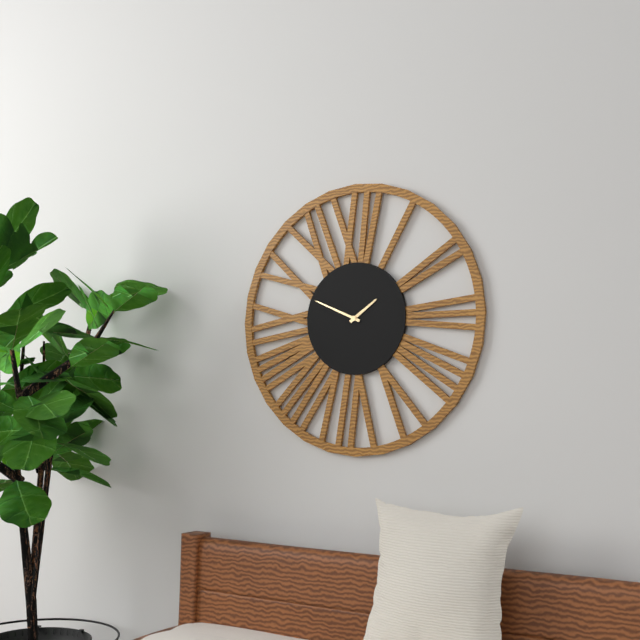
**1:49**
